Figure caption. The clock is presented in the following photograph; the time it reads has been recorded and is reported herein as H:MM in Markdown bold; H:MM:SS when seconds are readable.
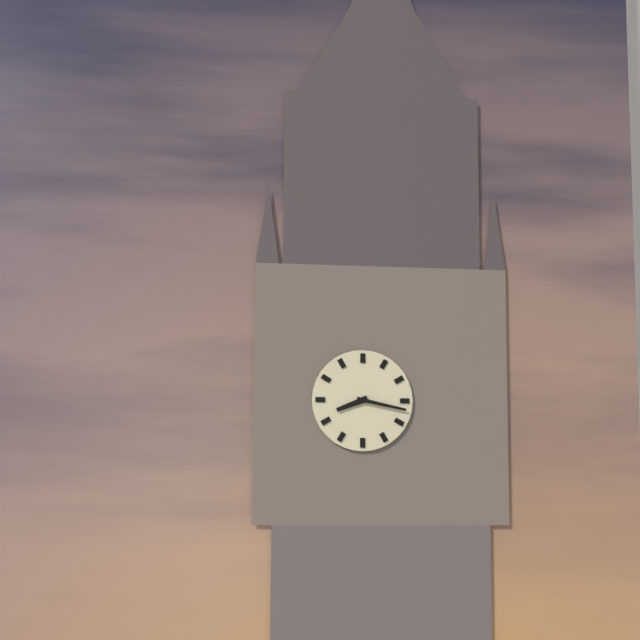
**8:17**
